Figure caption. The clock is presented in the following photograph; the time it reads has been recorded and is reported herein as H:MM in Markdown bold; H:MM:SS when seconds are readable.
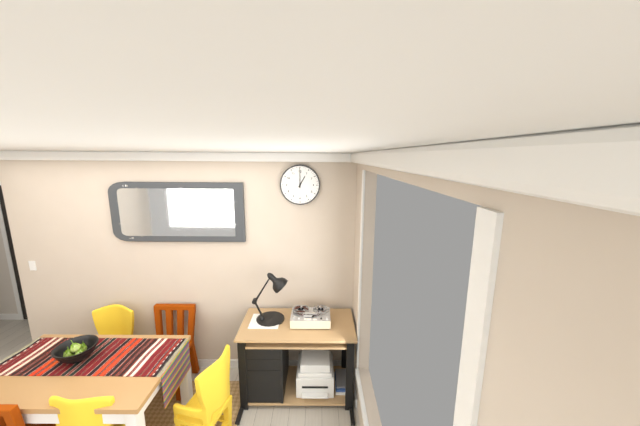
**1:00**
